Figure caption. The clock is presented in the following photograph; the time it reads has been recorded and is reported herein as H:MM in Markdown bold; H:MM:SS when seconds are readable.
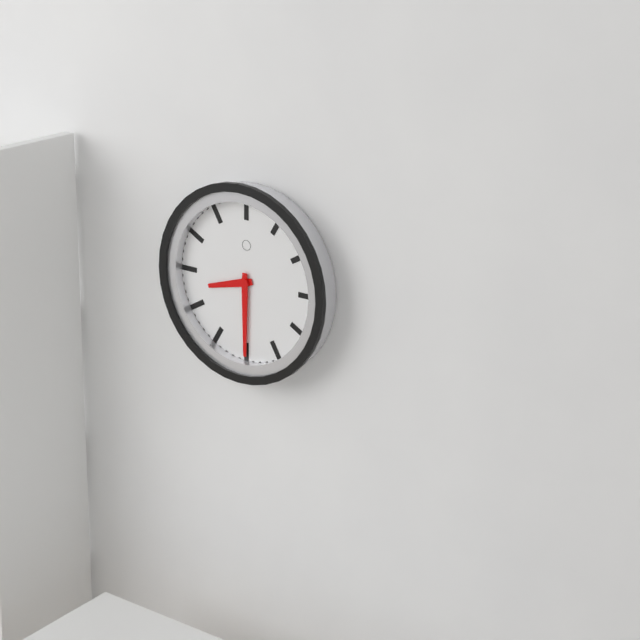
**8:30**
